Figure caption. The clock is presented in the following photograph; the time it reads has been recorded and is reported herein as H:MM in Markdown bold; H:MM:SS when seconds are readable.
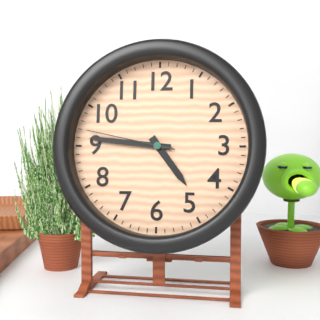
**4:46:47**
